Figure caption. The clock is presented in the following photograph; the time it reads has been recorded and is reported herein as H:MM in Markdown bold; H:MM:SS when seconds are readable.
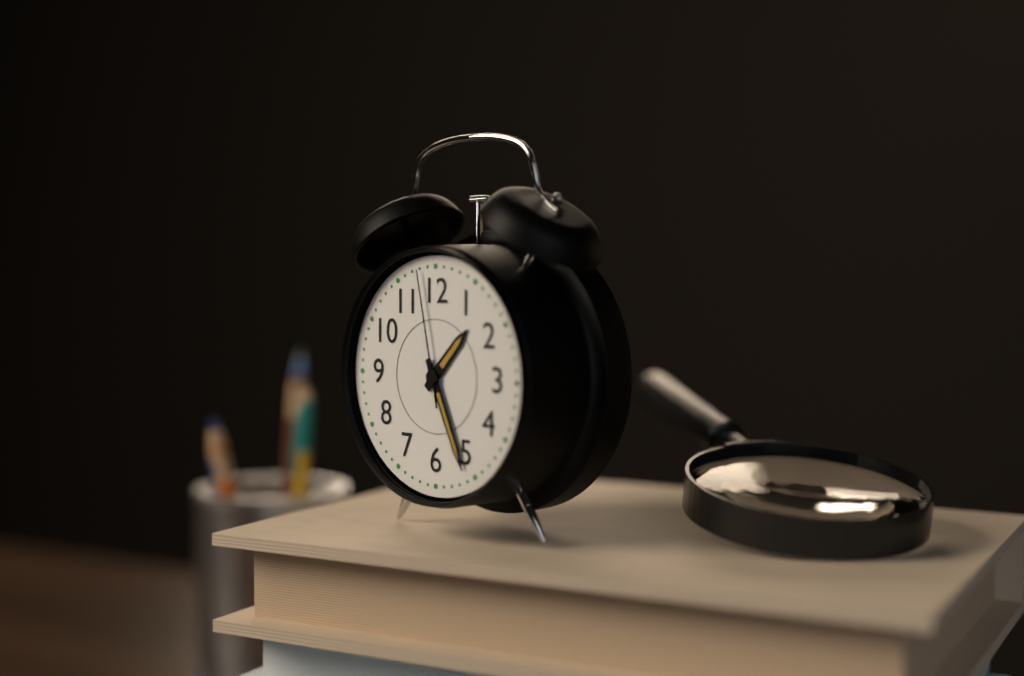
**1:26:58**
